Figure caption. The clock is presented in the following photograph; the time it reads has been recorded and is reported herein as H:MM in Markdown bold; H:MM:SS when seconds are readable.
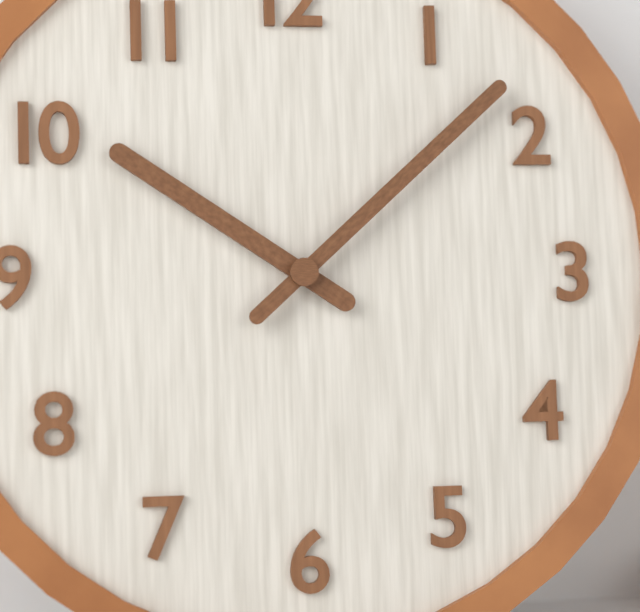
**10:08**
